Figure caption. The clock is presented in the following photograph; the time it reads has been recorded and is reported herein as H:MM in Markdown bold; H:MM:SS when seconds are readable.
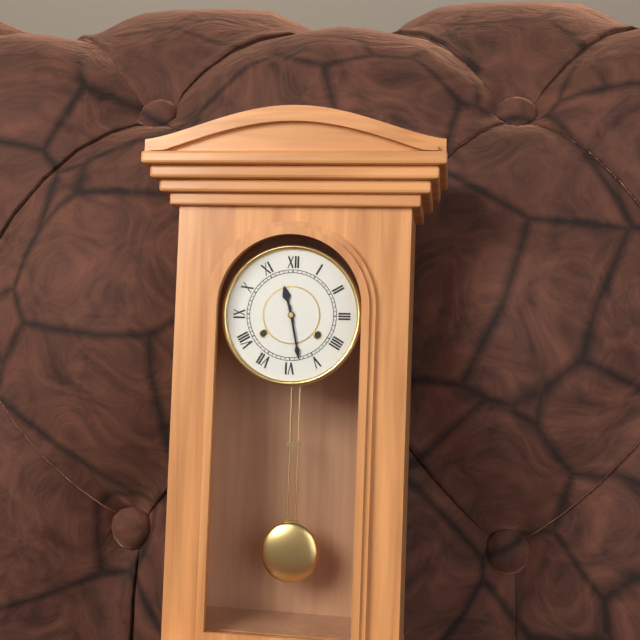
**11:28**
